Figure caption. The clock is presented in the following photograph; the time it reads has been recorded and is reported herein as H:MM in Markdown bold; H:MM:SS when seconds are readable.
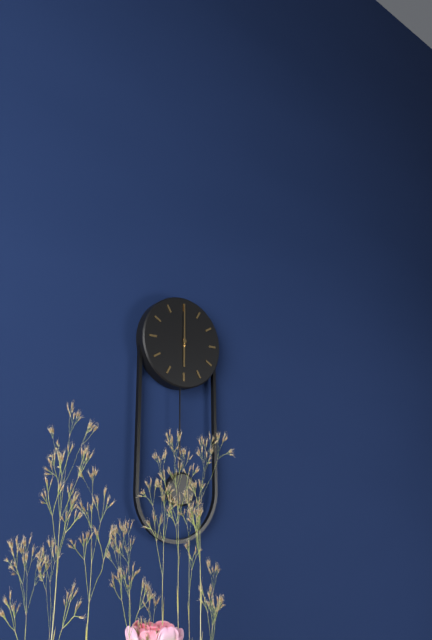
**6:00**
